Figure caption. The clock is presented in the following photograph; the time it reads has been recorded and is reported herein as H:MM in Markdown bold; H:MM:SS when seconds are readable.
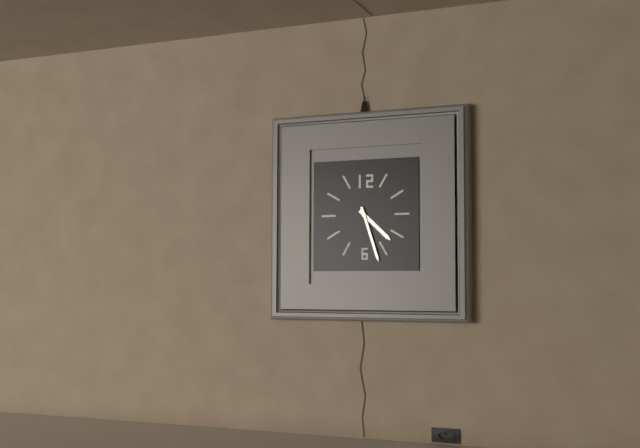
**4:27**
